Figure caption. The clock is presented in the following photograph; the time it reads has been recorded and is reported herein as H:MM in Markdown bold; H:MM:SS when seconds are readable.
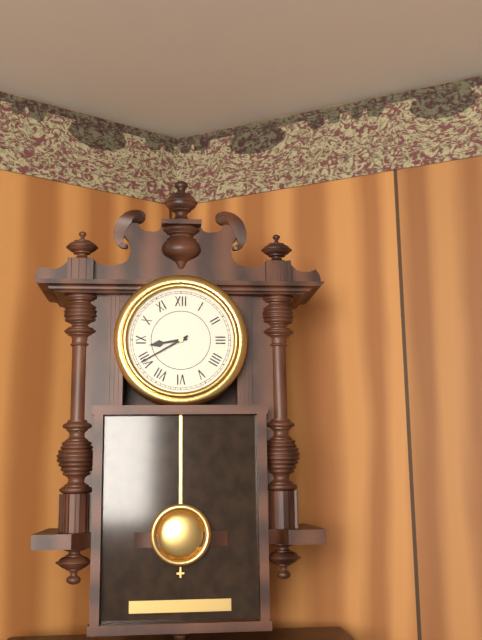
**8:40**
